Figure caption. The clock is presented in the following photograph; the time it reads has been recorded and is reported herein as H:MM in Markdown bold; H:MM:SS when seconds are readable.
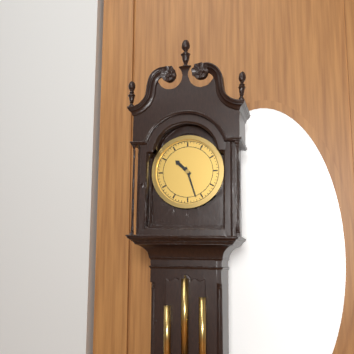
**10:27**
